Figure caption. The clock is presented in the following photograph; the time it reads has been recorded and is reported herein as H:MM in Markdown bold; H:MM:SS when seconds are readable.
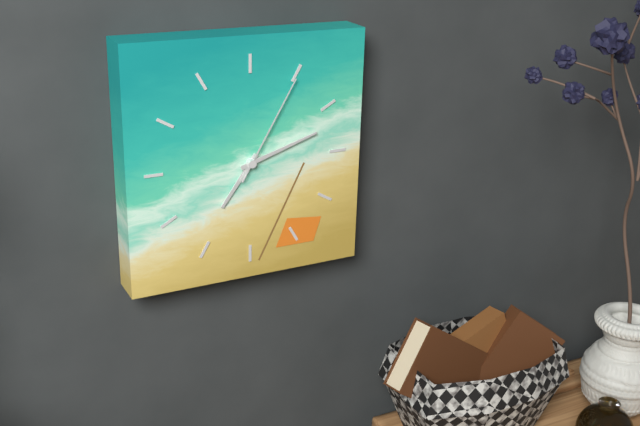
**7:12:05**
